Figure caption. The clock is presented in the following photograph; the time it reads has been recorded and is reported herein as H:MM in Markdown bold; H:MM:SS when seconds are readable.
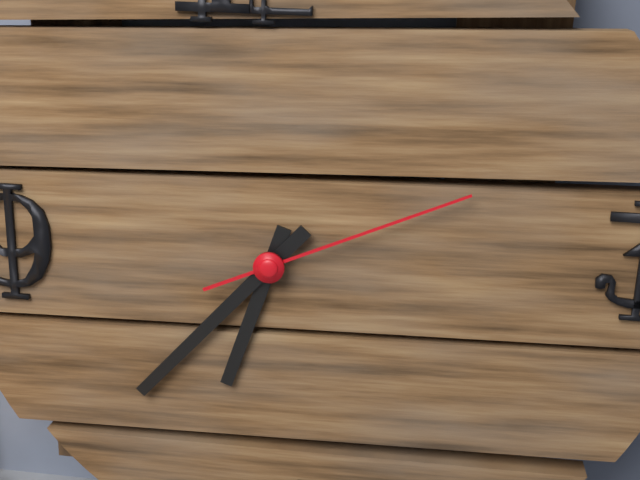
**6:37:11**
